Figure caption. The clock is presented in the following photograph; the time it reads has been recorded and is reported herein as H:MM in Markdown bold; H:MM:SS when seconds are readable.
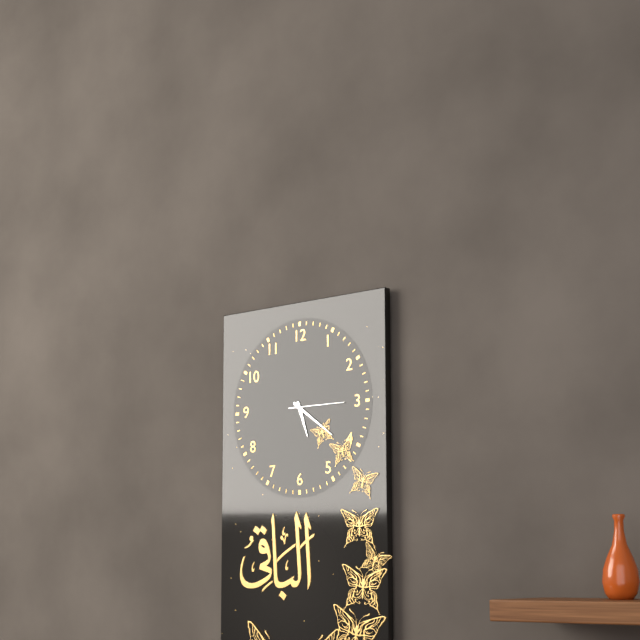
**5:21:15**
